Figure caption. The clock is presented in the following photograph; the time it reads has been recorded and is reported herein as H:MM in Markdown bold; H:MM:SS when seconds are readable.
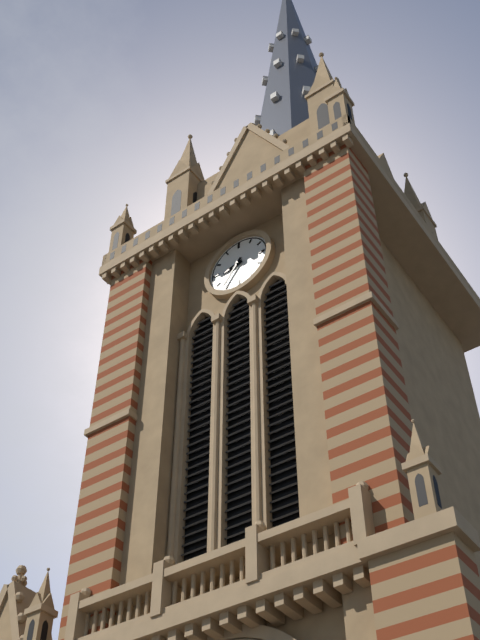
**8:36**
